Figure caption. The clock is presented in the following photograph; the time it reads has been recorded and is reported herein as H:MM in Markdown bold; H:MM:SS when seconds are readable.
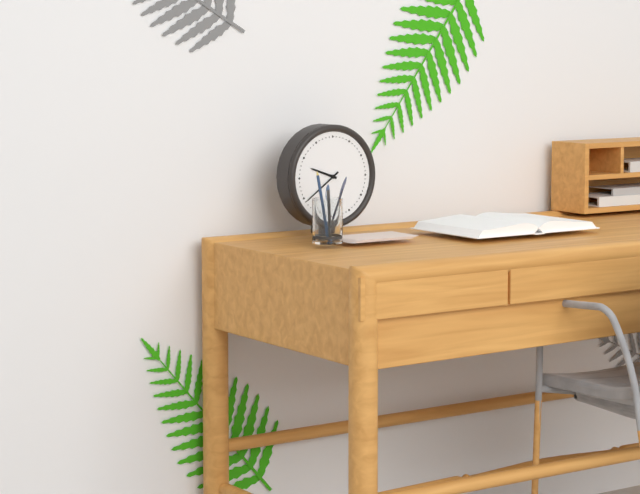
**9:39**
